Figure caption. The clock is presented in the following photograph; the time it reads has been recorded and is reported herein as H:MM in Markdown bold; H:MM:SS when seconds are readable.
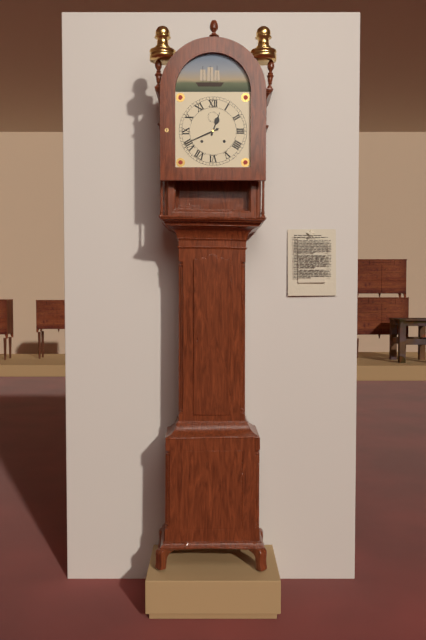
**12:41**
